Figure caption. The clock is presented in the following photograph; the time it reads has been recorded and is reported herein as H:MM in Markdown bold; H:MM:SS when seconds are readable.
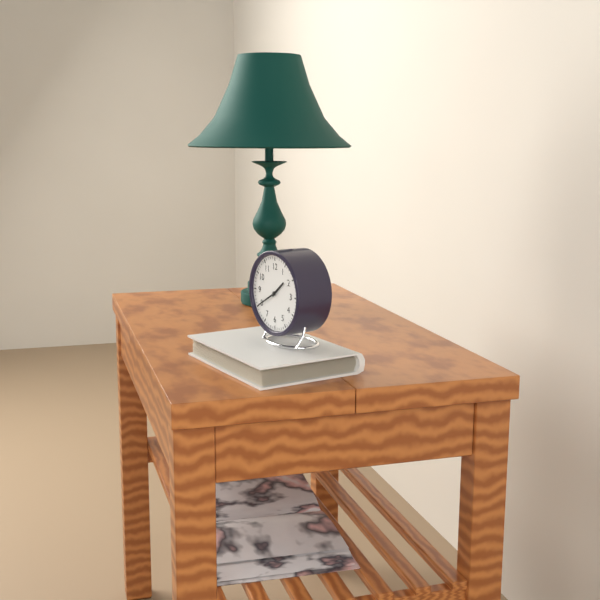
**1:40**
